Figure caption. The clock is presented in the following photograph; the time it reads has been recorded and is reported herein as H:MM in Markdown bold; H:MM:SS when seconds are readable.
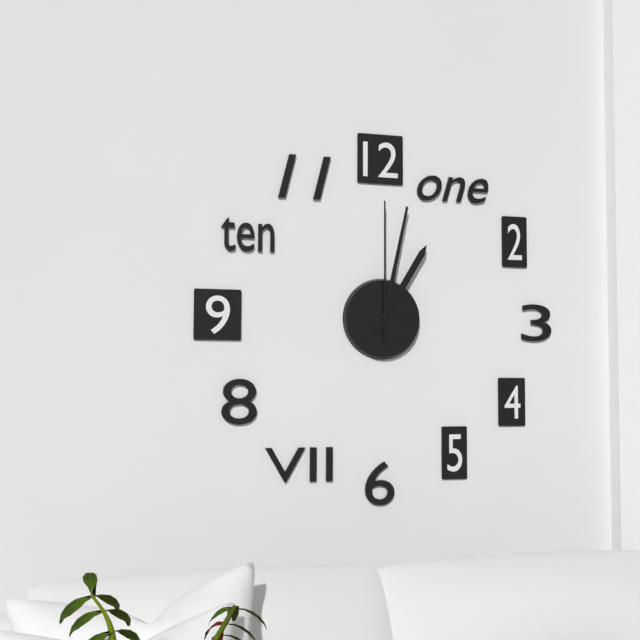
**1:02:00**
